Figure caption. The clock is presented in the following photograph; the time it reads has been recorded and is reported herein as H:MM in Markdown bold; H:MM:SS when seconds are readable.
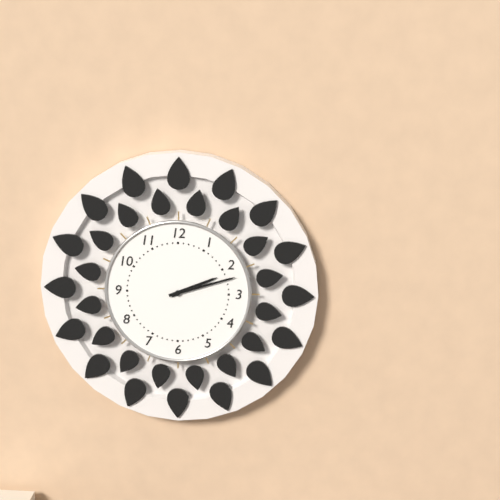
**2:12**
